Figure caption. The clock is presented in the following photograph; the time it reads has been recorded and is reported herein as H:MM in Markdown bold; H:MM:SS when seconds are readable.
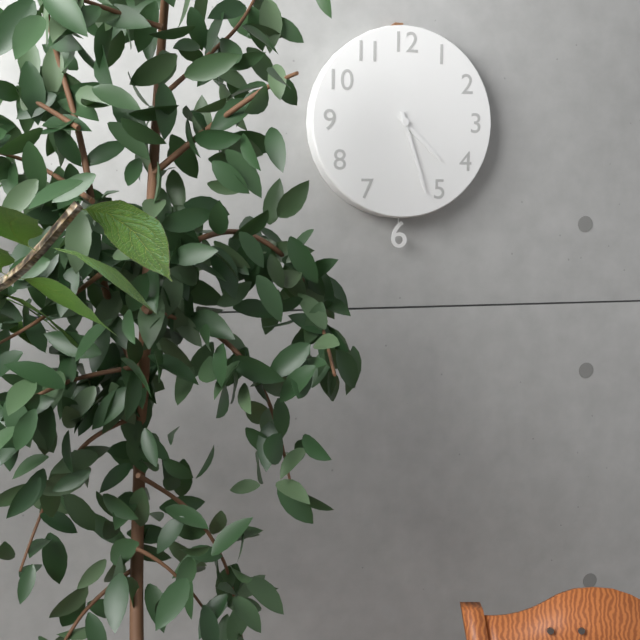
**4:27**
